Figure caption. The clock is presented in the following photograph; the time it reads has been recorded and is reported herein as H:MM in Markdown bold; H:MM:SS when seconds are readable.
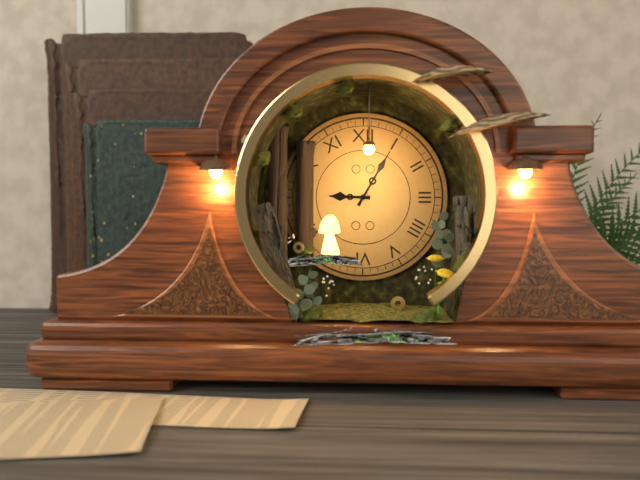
**9:05**
